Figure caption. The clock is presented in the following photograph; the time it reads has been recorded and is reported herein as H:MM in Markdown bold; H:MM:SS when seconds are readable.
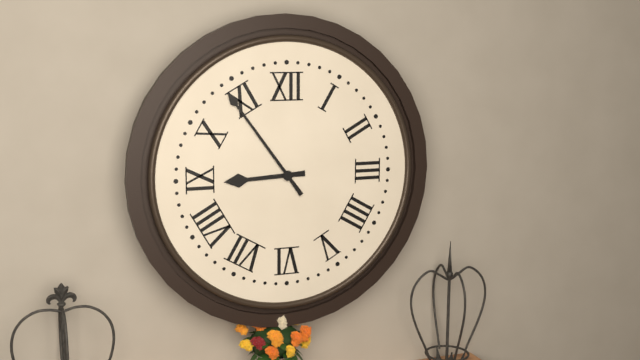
**8:54**
